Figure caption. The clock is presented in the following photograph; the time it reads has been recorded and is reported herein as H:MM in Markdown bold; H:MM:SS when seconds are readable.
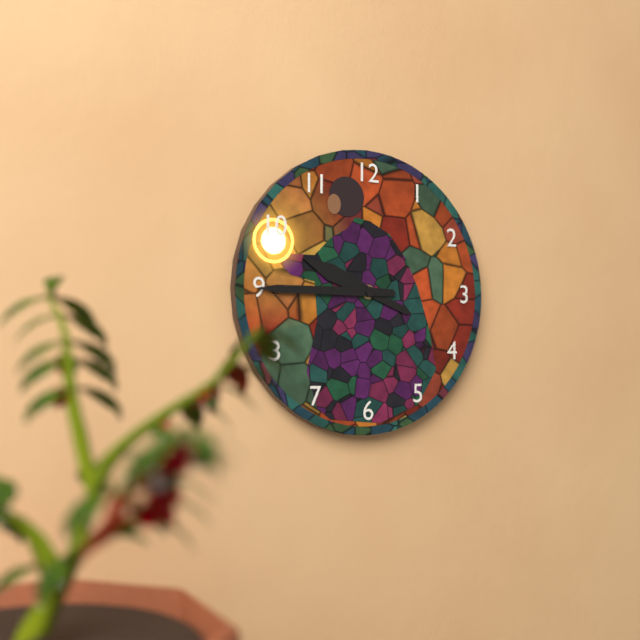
**9:45**
